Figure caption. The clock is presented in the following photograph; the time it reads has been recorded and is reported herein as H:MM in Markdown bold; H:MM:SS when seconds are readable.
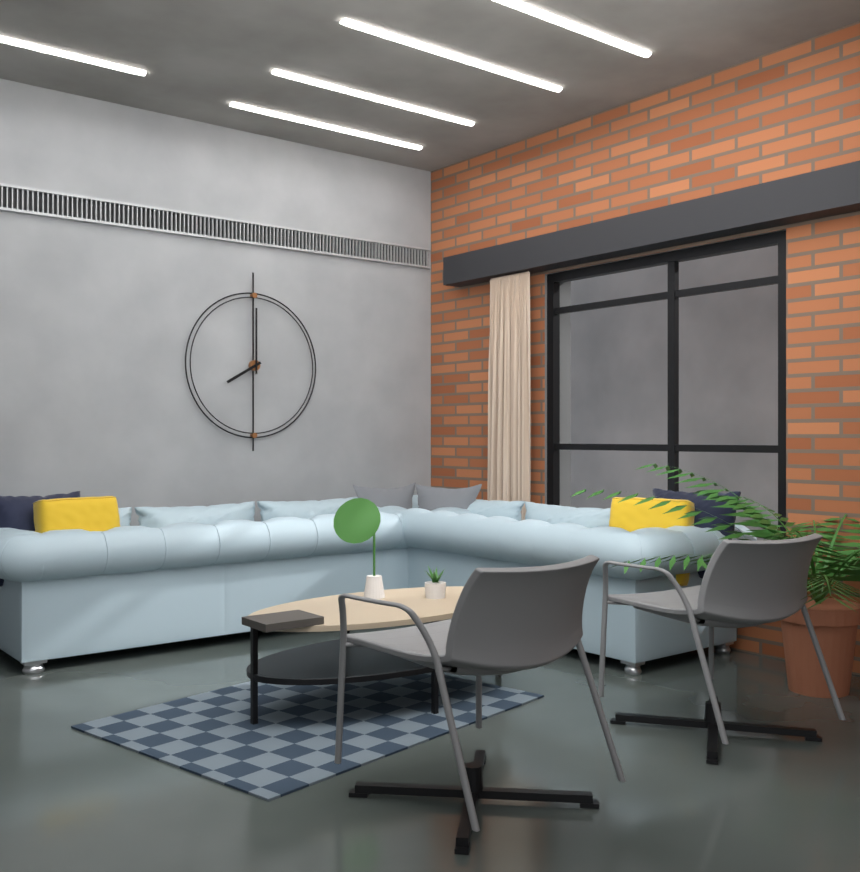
**8:00**
